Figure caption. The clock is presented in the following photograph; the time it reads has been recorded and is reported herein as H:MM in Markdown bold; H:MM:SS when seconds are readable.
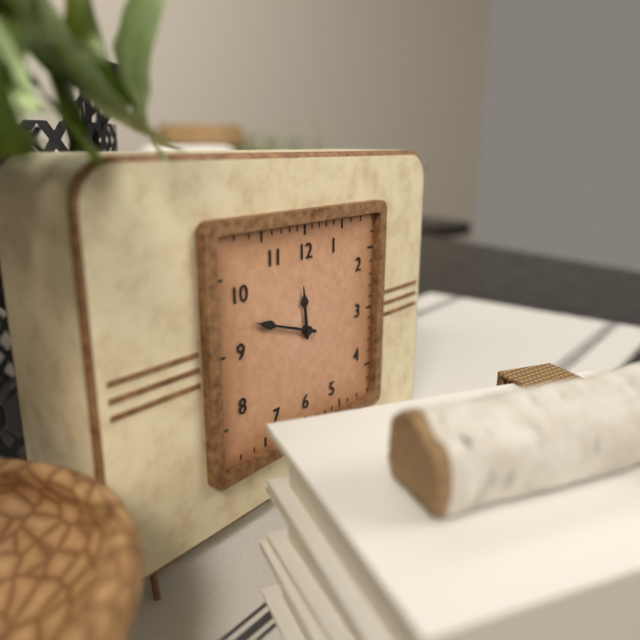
**11:48**
